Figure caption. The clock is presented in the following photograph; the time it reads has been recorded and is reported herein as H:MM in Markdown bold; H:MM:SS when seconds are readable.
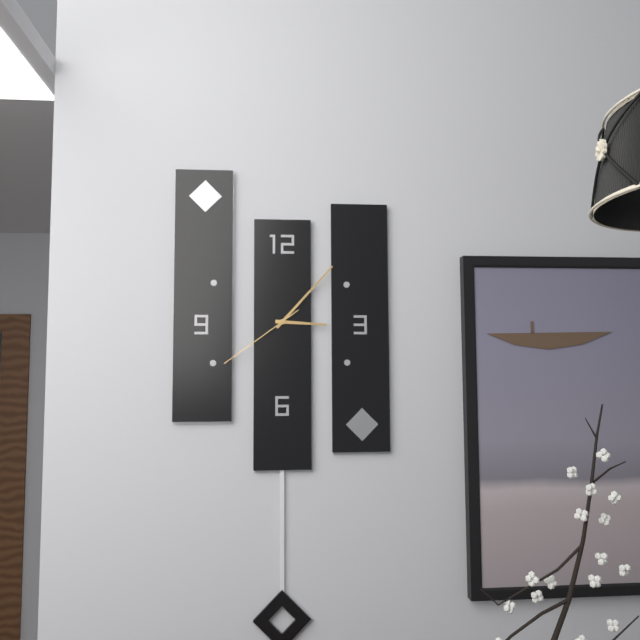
**3:07:39**
